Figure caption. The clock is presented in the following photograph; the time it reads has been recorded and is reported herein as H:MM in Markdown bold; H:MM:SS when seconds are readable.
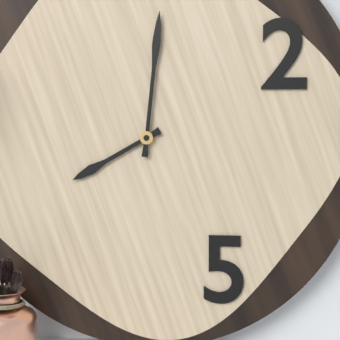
**8:01**
